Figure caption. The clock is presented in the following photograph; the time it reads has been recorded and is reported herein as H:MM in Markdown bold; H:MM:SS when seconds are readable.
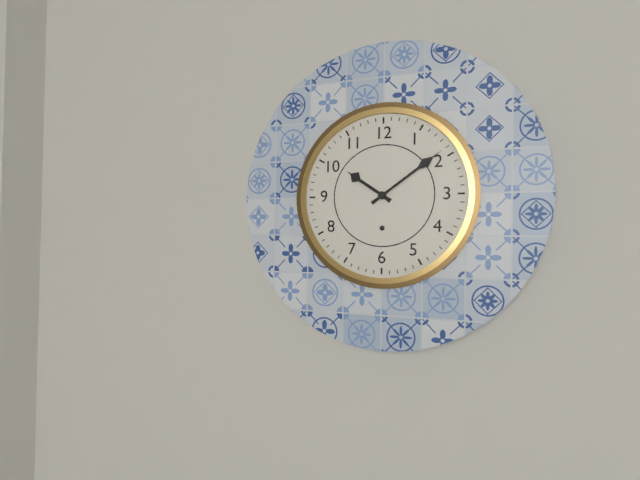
**10:09**
